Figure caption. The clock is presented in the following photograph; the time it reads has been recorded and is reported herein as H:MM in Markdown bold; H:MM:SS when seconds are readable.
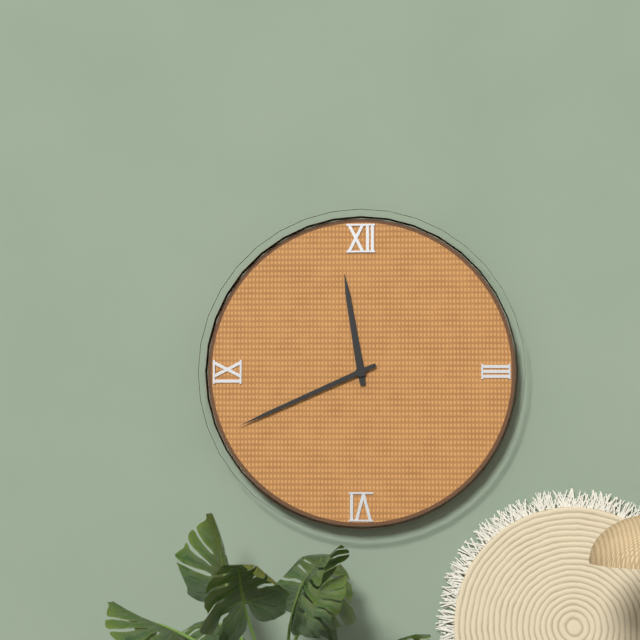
**11:41**
